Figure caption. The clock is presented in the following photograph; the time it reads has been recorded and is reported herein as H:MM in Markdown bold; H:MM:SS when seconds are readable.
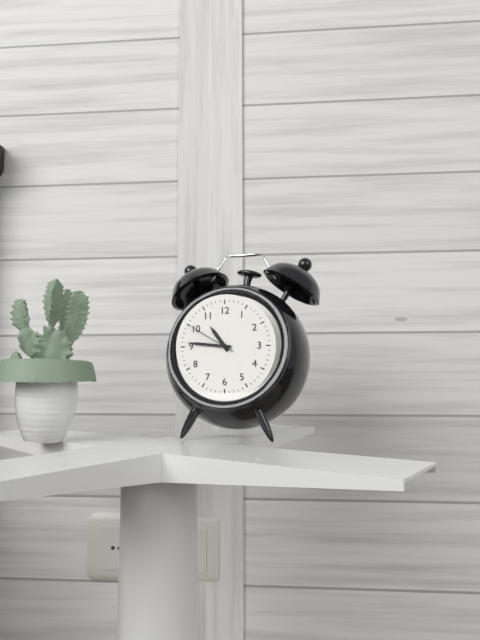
**10:46:50**
